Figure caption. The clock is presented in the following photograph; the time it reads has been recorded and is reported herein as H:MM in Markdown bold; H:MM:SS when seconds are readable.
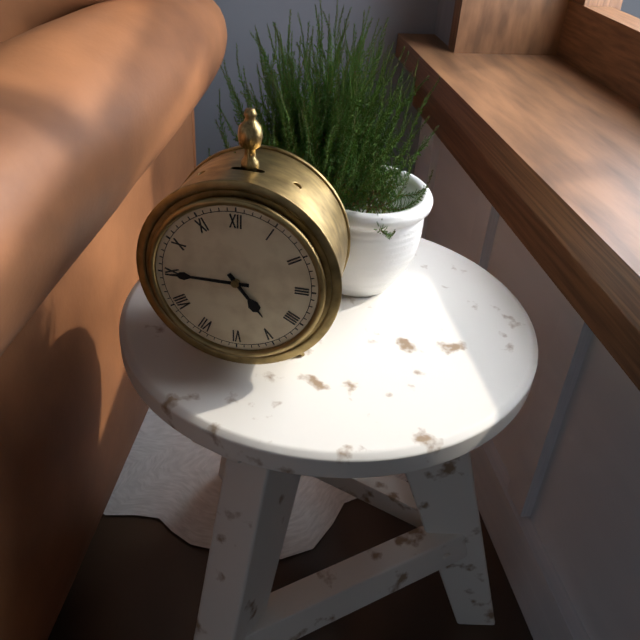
**4:45**
